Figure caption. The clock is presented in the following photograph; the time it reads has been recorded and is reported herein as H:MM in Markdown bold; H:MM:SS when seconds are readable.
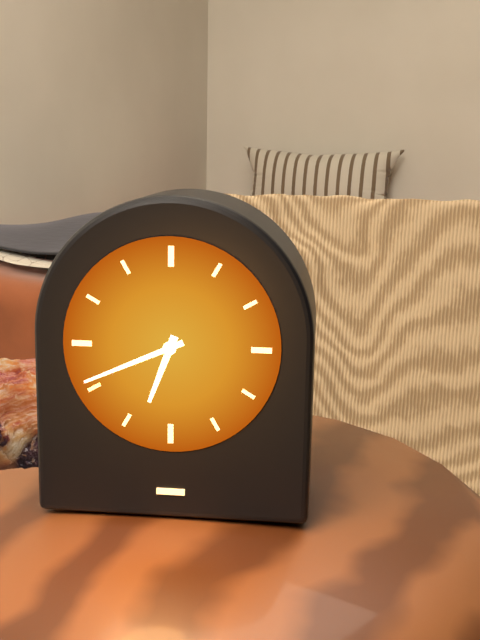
**6:41**
